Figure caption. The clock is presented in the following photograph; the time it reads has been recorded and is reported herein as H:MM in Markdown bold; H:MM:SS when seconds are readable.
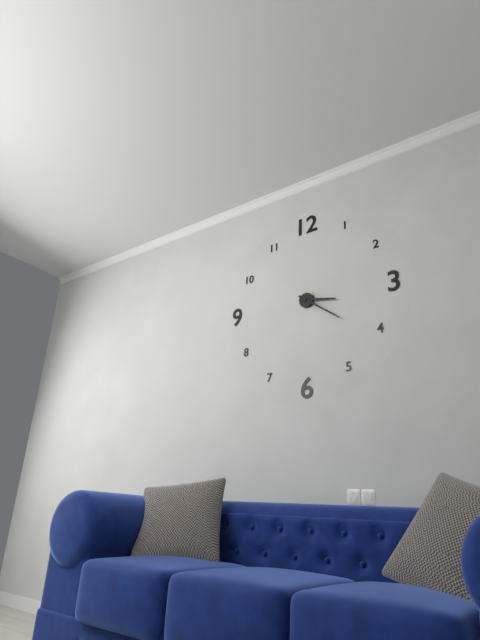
**3:21**
